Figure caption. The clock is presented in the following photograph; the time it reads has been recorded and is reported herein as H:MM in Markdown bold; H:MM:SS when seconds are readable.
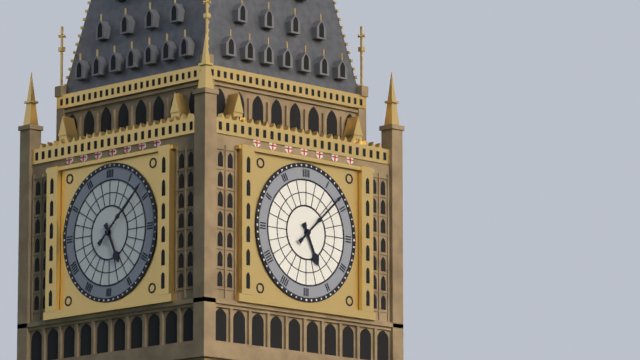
**5:08**
